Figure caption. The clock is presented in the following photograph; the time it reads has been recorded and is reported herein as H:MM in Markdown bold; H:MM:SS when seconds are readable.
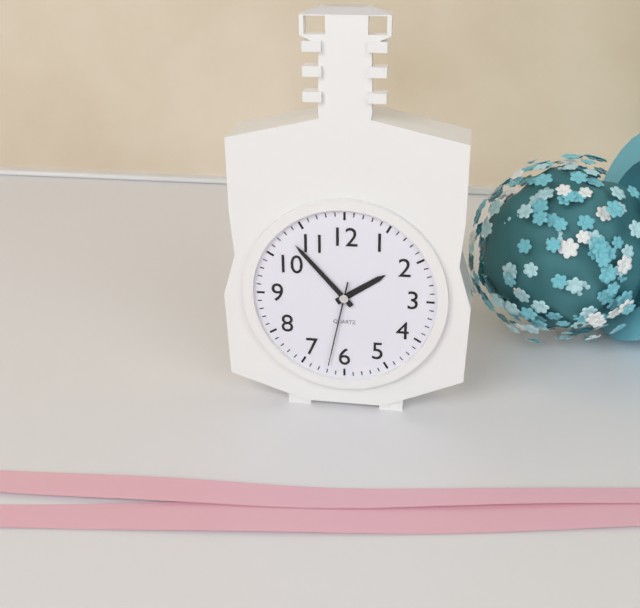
**1:53:32**
